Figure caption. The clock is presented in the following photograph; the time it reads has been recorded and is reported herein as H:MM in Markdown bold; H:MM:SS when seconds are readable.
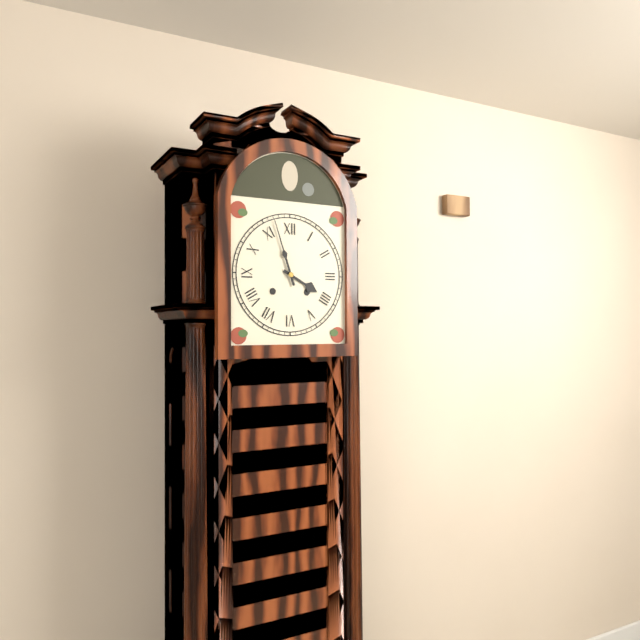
**3:57**
